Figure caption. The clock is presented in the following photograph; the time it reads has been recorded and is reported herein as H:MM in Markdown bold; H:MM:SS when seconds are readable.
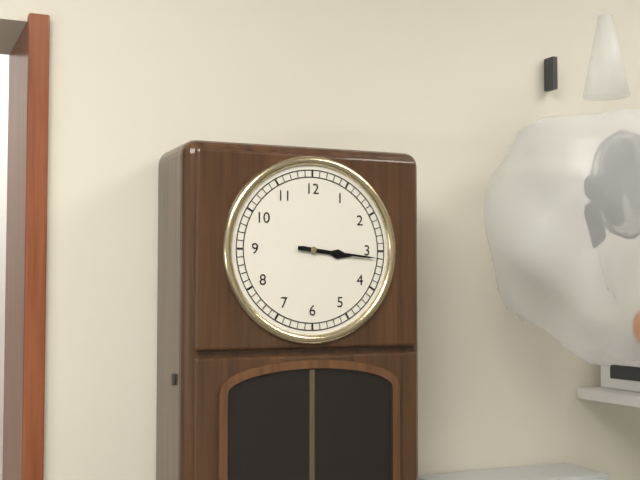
**3:16**
